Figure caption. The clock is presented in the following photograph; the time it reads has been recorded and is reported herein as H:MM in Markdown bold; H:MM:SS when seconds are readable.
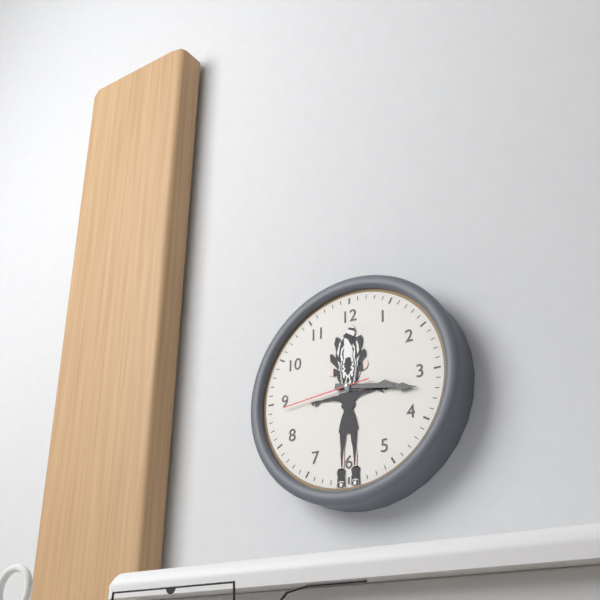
**3:17:44**
